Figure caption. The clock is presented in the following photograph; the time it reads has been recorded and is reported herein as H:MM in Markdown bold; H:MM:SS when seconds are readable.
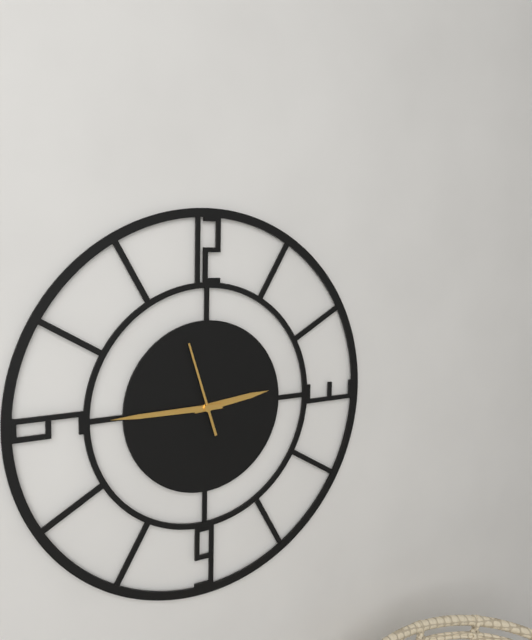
**2:45:57**
